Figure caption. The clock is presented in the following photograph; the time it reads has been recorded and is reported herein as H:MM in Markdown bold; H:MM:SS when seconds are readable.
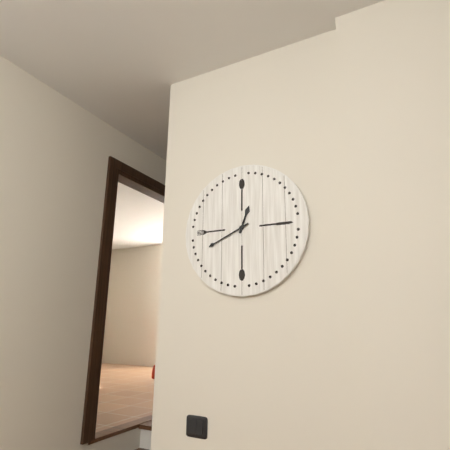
**12:41**
